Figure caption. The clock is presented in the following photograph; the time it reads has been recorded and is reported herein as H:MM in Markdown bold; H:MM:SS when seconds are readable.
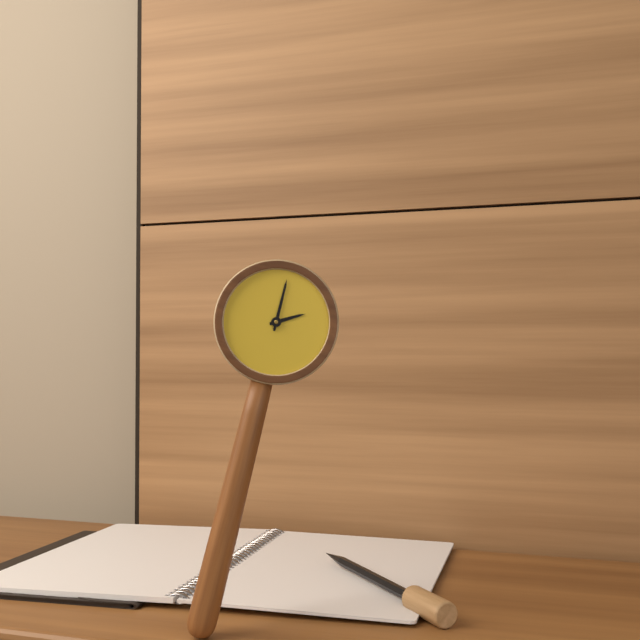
**2:00**
